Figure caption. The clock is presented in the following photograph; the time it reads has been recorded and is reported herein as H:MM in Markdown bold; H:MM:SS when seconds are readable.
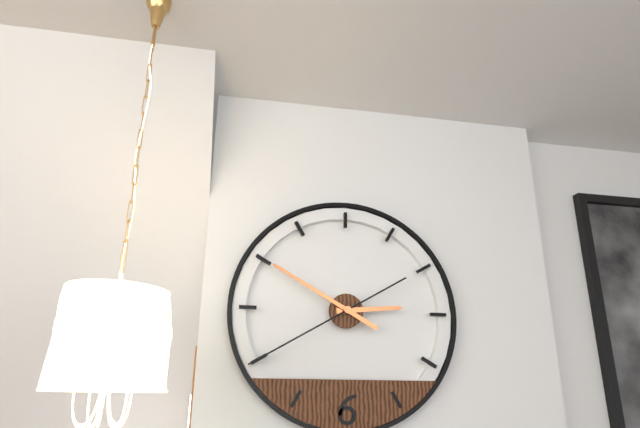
**2:50:40**
